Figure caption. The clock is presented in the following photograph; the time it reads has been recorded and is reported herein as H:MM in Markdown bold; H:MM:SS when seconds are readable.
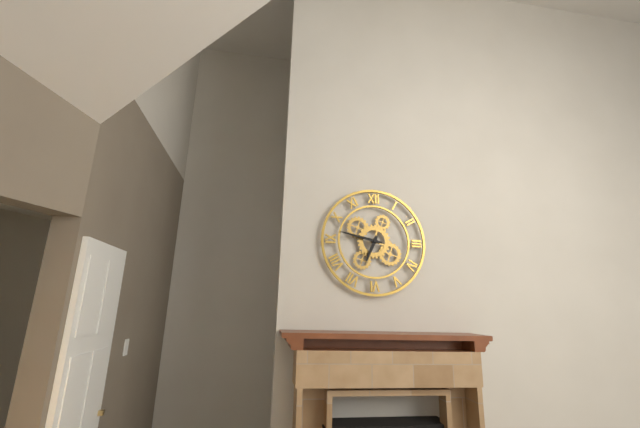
**6:47**
